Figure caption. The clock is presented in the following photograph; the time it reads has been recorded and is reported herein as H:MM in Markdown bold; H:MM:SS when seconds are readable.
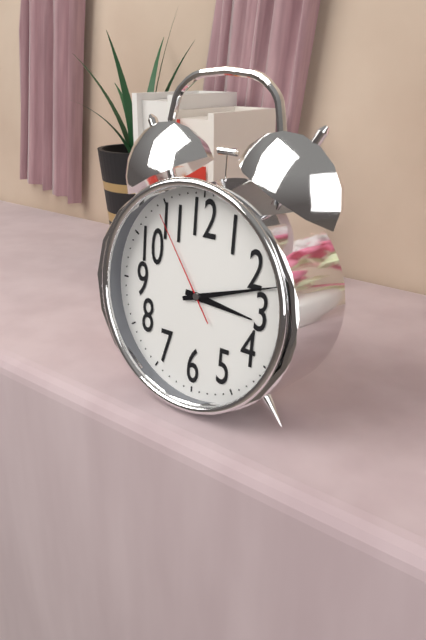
**3:12:54**
